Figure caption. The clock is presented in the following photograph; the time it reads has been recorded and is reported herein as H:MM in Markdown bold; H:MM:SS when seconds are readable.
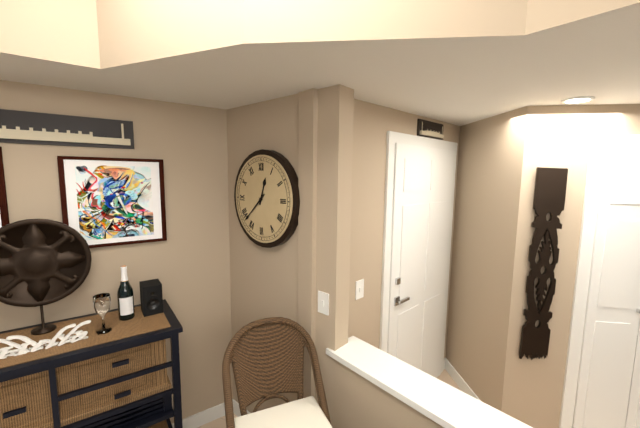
**12:38**
